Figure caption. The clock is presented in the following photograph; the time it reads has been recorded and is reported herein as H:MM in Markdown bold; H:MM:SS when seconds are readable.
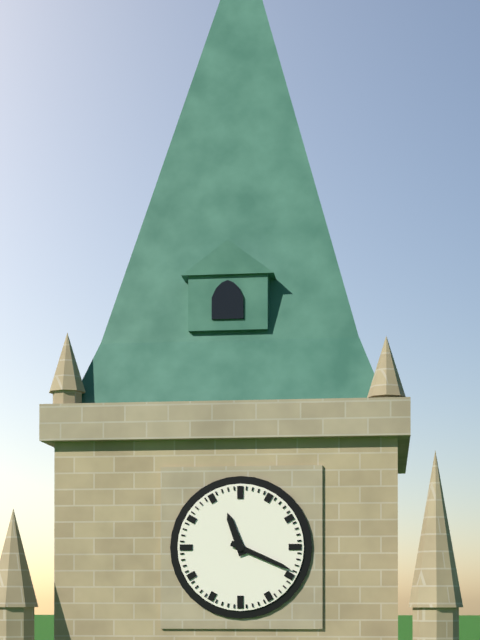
**11:19**
